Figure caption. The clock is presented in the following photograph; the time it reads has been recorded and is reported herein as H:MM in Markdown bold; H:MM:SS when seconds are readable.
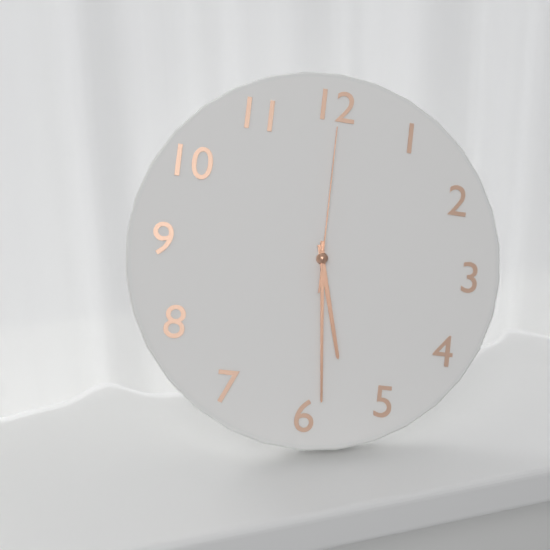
**5:29:00**
